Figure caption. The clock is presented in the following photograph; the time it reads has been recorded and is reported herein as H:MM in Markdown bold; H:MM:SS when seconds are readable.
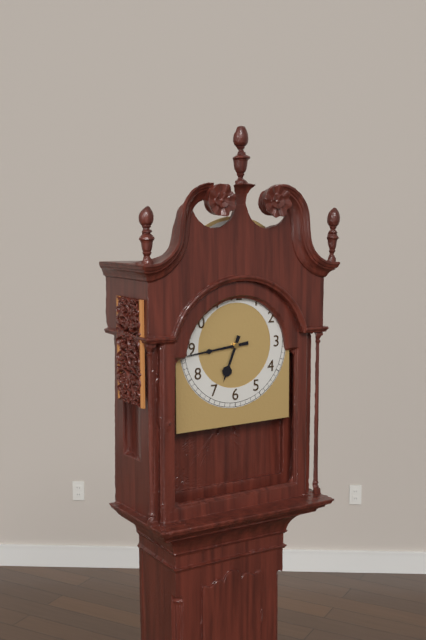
**6:44**
